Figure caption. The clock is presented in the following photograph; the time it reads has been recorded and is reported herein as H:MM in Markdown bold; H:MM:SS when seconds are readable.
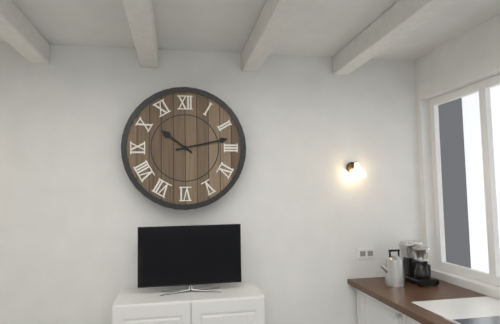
**10:13**
